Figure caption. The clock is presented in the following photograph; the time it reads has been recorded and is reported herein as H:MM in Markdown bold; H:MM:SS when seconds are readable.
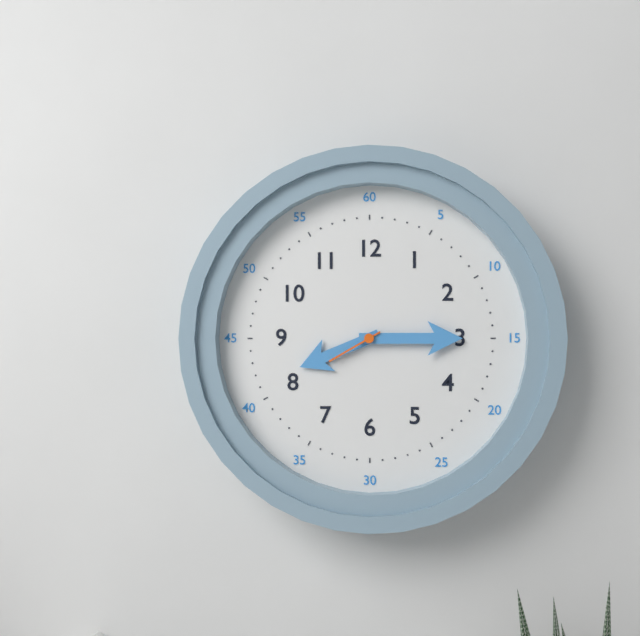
**8:15:40**
